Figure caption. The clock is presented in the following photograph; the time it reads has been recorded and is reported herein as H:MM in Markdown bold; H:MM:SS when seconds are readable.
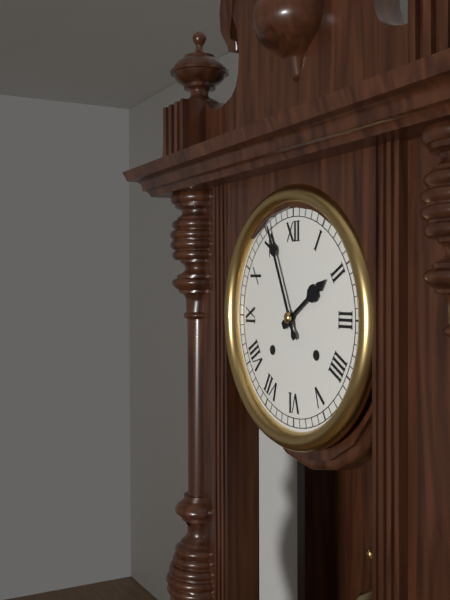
**1:56**
